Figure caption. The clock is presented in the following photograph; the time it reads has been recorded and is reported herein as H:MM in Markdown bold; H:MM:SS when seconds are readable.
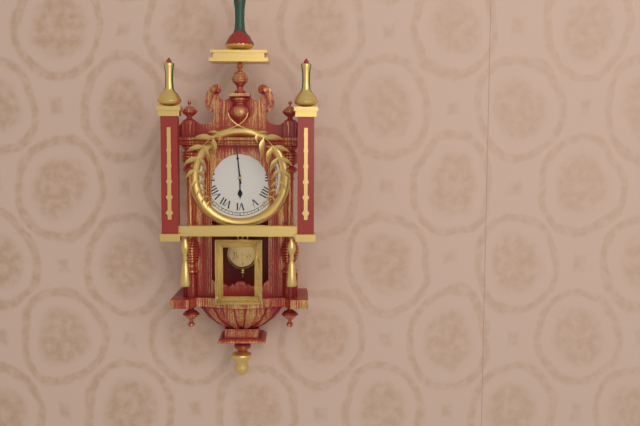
**5:59**
